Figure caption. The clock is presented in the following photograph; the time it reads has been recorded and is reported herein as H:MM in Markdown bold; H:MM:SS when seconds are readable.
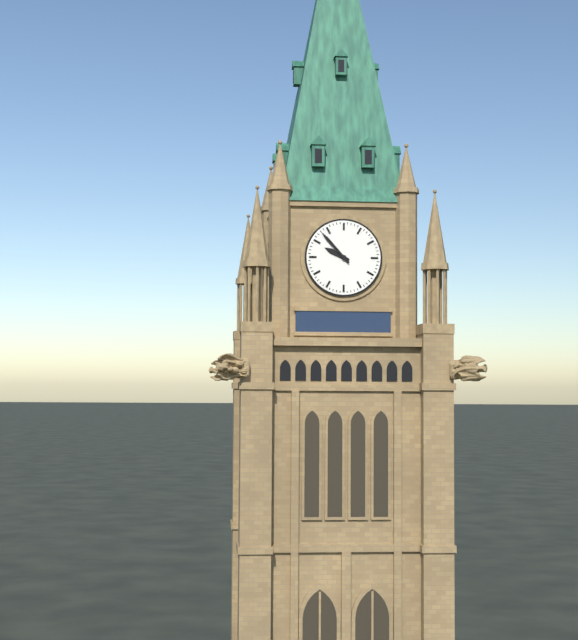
**9:53**
